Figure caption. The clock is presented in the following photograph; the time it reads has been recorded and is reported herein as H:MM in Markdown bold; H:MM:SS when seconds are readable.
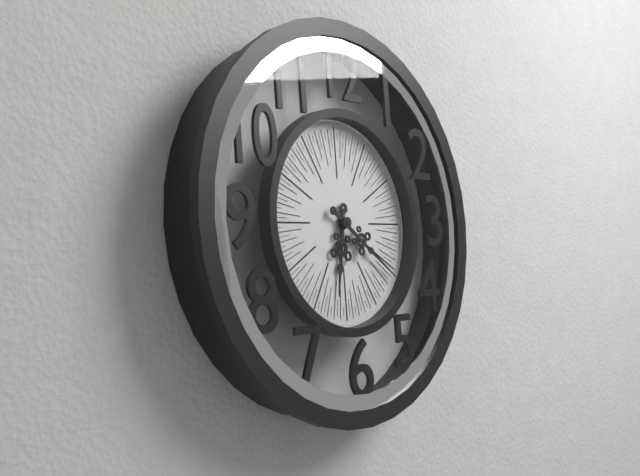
**6:21**
